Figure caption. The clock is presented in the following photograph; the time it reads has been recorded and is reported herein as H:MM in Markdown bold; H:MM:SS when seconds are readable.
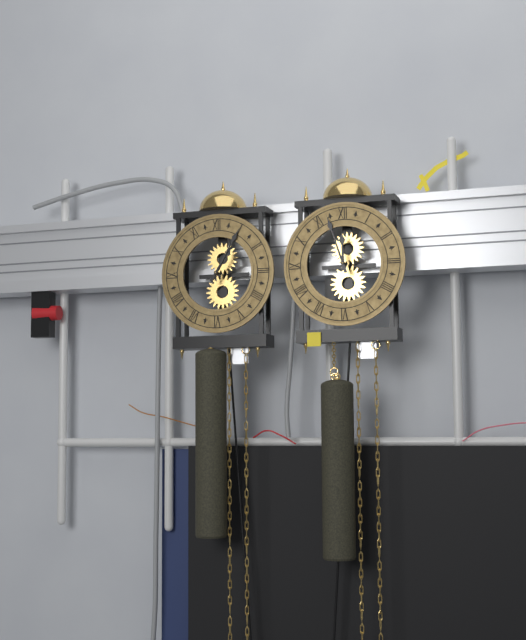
**1:05**
